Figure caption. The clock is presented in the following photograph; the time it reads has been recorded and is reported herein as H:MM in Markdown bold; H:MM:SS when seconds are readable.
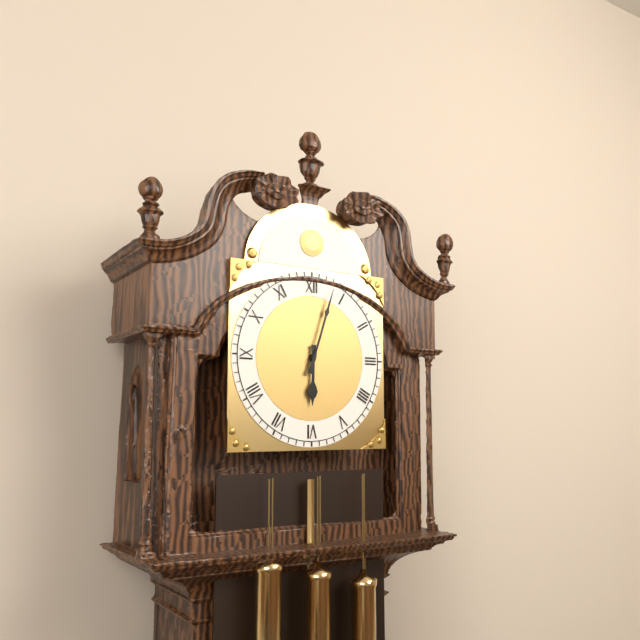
**6:03**
